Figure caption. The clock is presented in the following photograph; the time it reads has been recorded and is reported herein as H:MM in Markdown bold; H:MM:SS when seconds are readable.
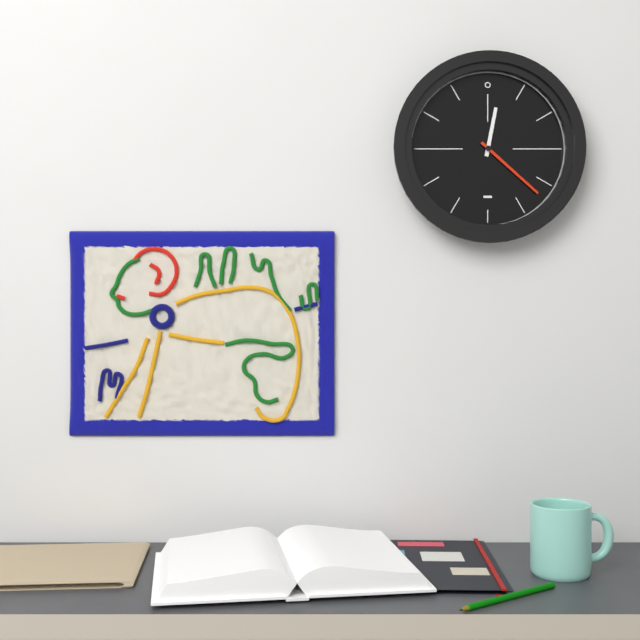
**12:22**
